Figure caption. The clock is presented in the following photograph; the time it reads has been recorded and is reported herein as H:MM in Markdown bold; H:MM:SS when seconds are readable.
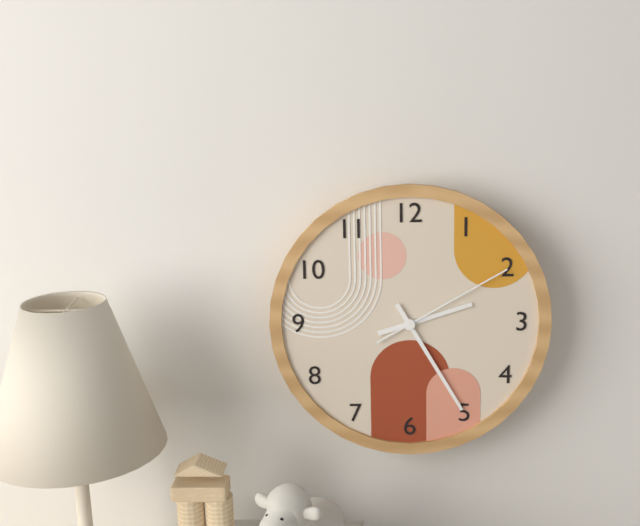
**2:25:10**
